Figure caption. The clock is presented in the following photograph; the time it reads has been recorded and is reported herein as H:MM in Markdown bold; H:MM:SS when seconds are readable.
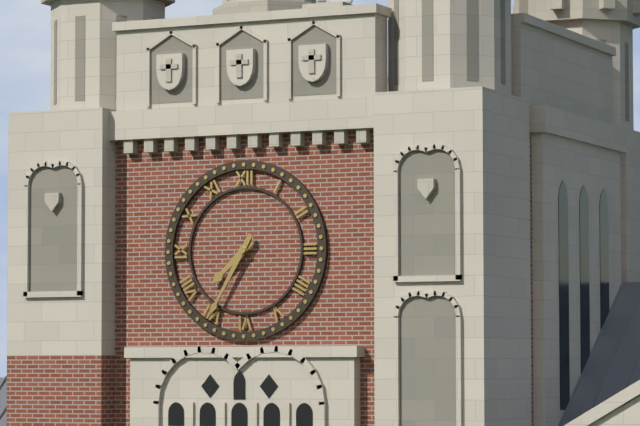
**7:35**
